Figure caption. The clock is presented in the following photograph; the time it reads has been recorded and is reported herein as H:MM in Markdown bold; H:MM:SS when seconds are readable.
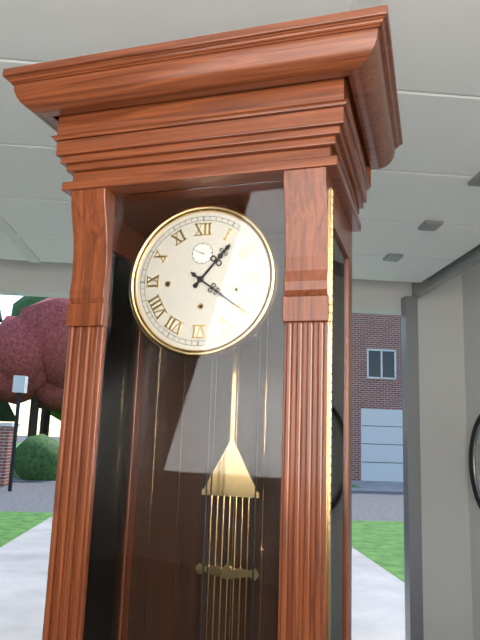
**1:21**
